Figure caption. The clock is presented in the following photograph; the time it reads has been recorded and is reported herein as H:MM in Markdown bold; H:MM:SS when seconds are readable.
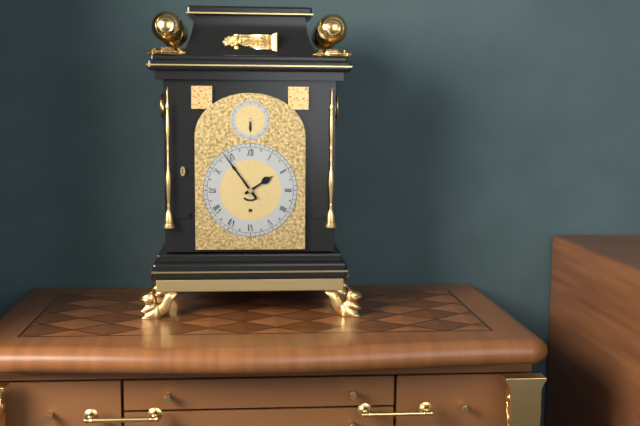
**1:54**
